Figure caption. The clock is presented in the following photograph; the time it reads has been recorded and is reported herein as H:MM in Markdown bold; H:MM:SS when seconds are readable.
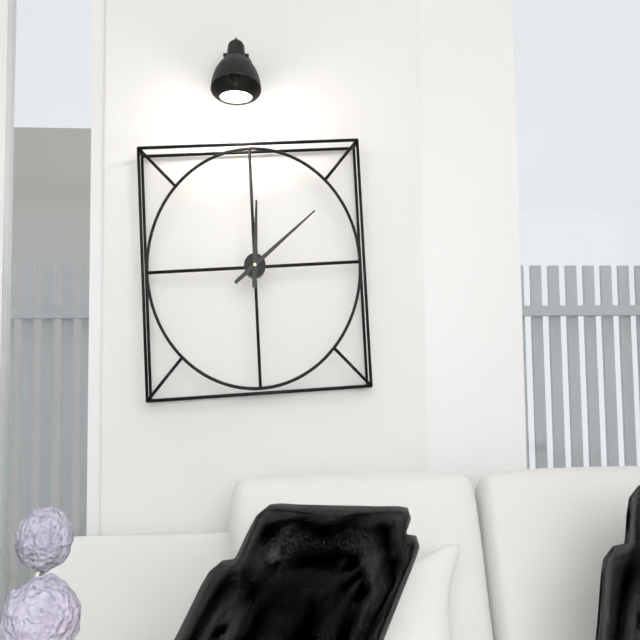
**12:09**
